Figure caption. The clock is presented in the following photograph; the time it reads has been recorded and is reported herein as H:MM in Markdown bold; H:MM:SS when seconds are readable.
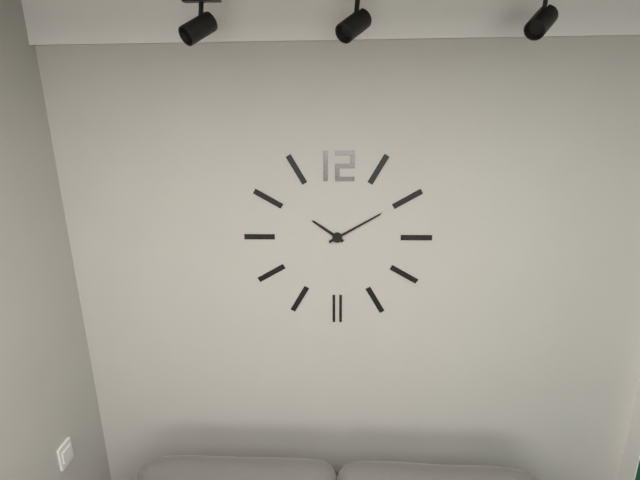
**10:10**
